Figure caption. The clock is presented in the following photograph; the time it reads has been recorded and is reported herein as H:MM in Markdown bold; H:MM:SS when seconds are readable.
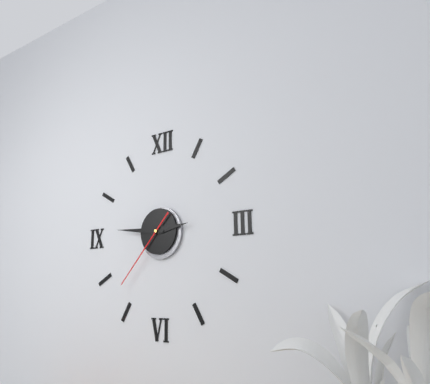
**2:46:37**
